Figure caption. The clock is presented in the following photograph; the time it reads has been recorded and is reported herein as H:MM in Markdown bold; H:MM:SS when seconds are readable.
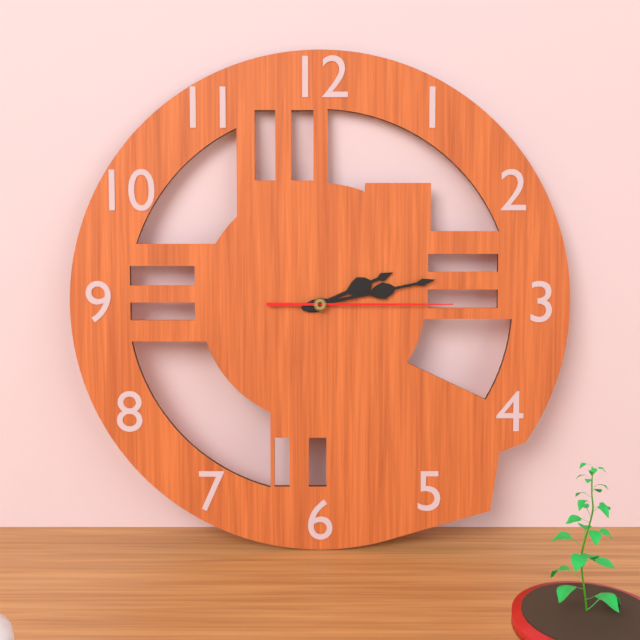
**2:13:15**
